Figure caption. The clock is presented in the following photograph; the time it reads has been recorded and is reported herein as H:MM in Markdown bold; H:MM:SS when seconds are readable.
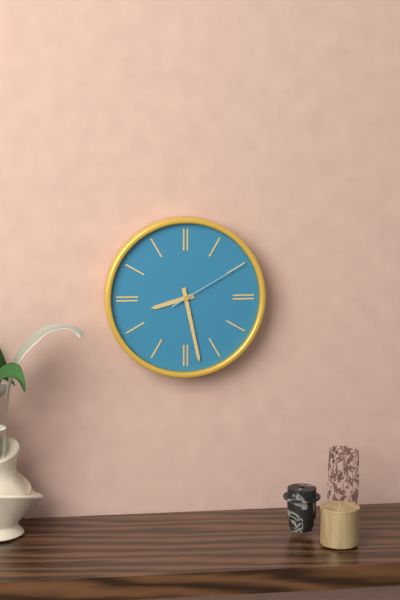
**8:28:10**
